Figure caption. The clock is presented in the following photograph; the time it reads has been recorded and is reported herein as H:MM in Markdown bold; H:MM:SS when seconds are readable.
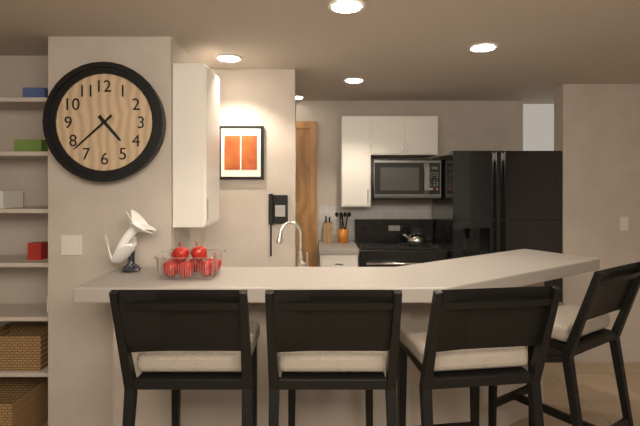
**4:38**
